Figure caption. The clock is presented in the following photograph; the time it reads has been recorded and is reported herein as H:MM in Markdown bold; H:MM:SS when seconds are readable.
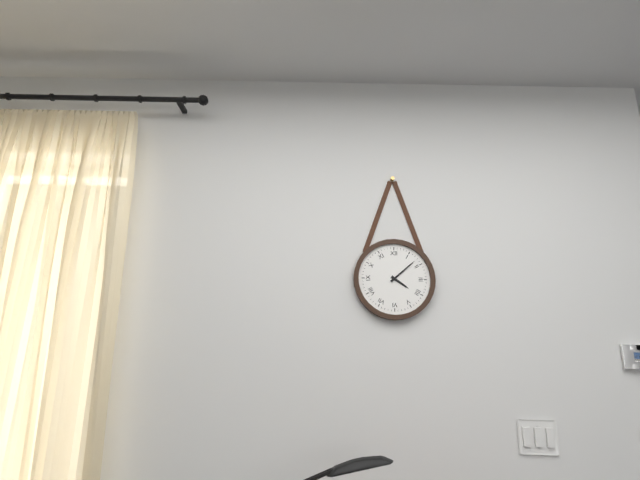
**4:08**
